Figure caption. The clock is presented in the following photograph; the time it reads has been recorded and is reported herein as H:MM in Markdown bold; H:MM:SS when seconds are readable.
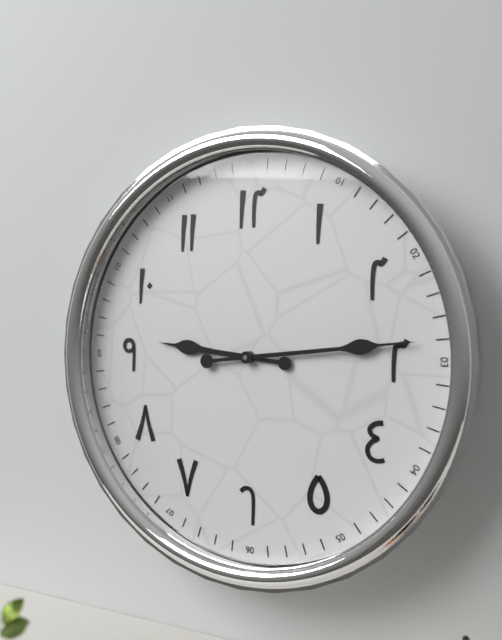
**9:14**
